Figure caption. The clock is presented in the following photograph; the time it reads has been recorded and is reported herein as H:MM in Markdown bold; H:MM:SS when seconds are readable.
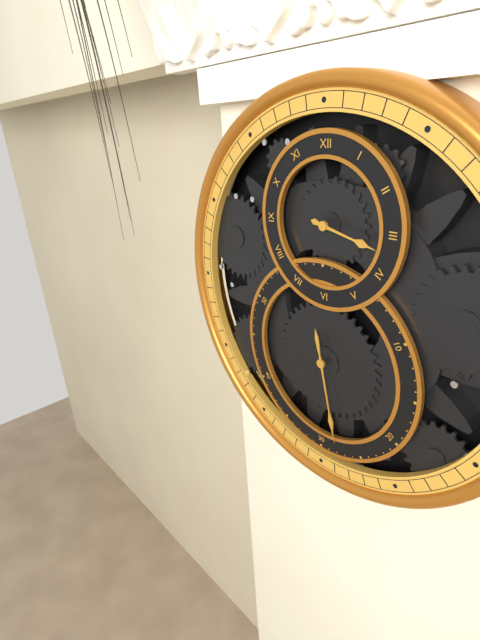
**3:28**
